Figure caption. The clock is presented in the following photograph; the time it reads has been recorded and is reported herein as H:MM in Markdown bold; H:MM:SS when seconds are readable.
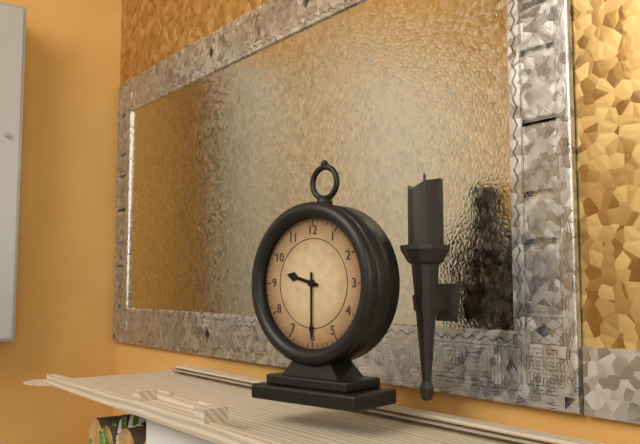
**9:30**
